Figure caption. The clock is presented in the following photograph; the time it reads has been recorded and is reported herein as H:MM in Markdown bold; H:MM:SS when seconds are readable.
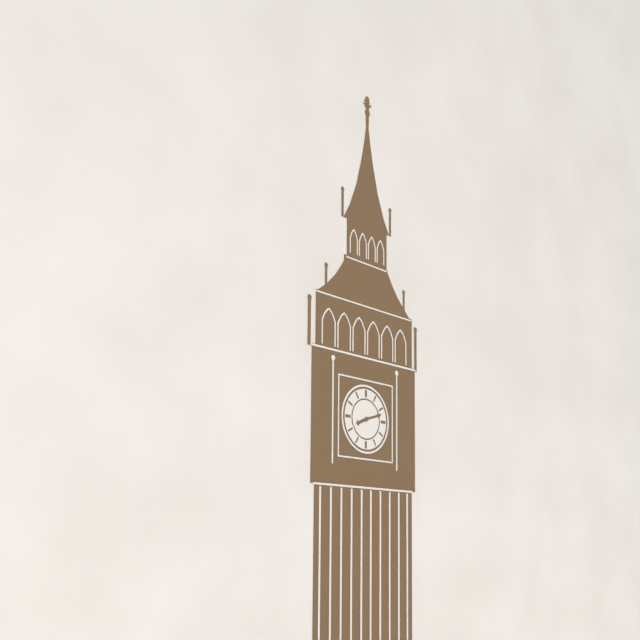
**8:12**
